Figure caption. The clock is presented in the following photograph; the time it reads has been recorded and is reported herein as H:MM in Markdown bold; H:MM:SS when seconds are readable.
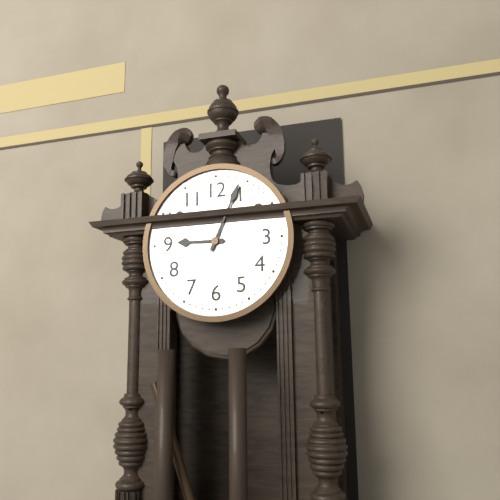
**9:04**
